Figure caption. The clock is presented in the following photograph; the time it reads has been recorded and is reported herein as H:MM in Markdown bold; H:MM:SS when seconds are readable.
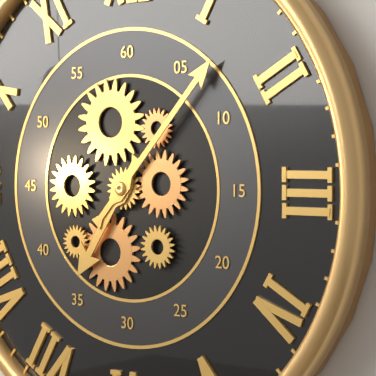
**7:07**
